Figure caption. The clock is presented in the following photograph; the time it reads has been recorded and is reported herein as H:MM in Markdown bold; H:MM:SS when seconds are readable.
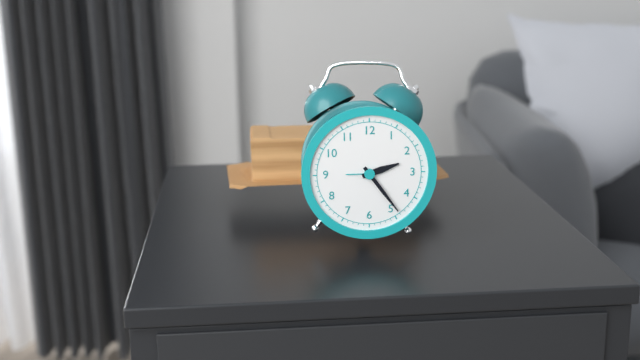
**2:24**
